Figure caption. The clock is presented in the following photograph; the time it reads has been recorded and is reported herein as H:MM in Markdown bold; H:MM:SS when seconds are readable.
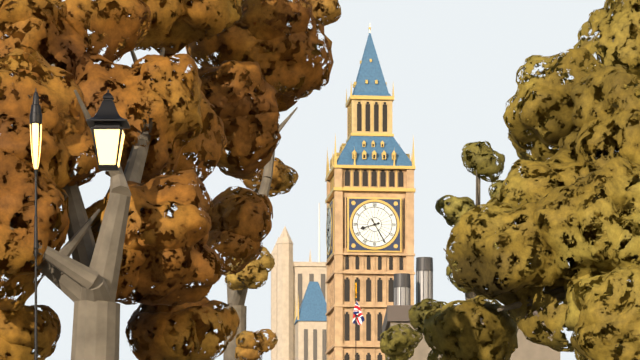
**8:25**
